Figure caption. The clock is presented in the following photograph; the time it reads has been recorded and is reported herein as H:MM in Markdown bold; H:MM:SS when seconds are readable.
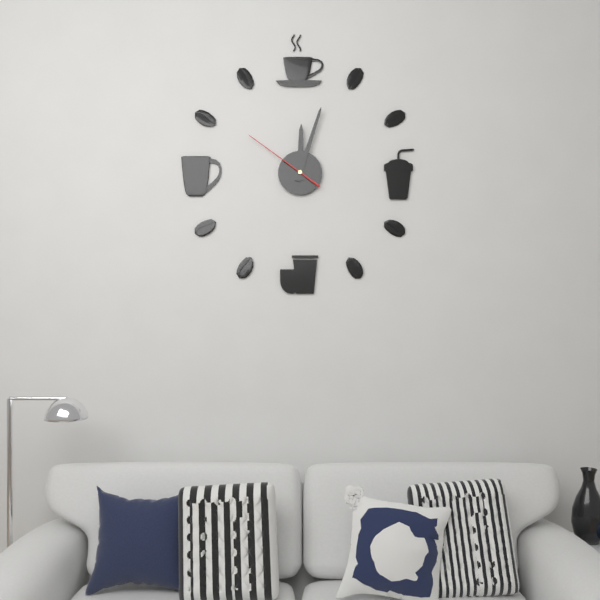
**12:03:51**
